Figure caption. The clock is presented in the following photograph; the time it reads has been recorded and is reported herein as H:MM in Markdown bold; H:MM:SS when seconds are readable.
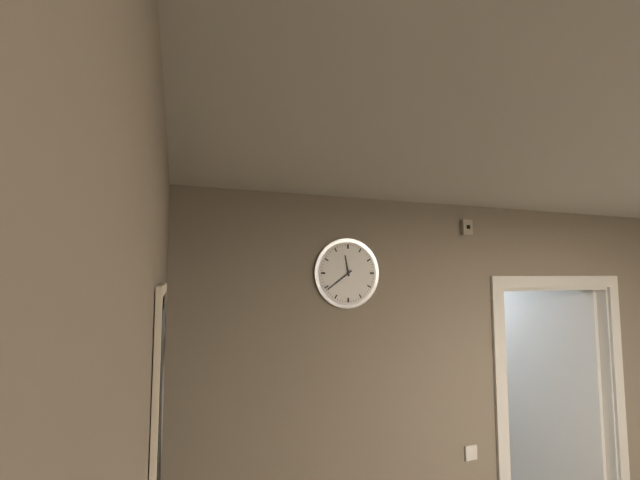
**11:39**
